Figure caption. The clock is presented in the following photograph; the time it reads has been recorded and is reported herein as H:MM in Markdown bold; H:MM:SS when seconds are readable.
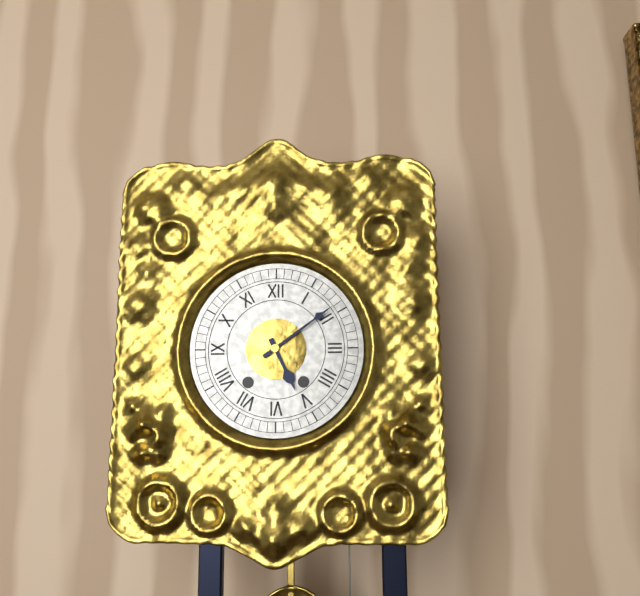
**5:09**
